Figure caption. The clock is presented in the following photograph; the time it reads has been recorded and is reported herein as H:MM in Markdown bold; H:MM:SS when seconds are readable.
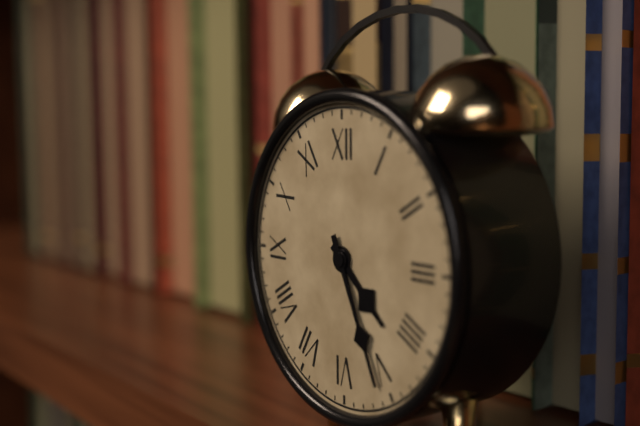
**4:26**
